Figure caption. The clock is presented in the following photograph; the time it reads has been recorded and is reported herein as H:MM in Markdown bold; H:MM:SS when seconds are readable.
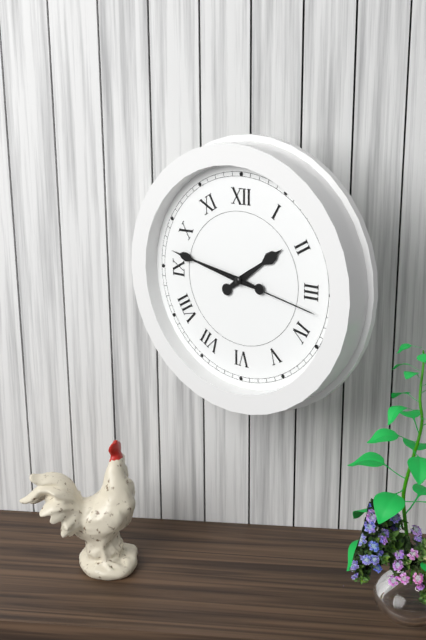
**1:47:17**
